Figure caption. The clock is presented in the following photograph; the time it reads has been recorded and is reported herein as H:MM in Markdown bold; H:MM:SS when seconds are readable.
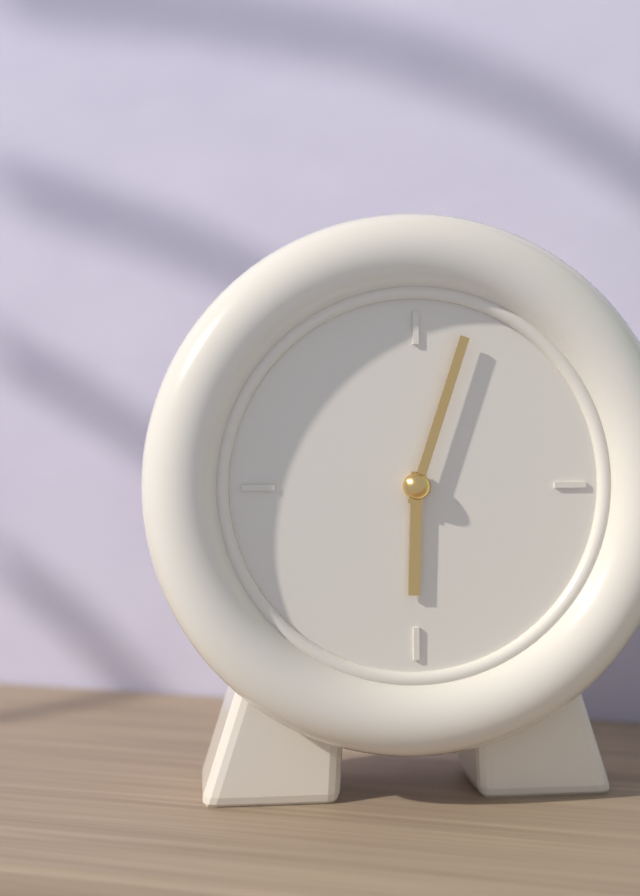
**6:03**
